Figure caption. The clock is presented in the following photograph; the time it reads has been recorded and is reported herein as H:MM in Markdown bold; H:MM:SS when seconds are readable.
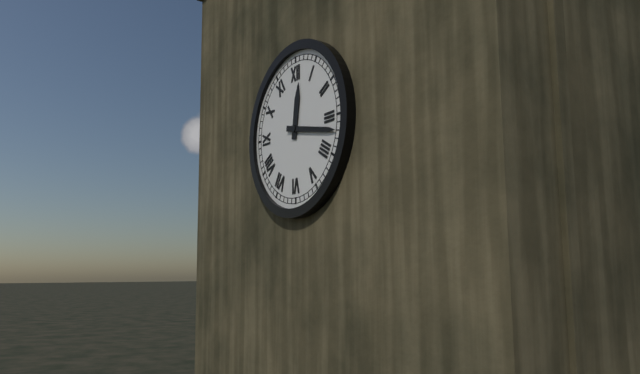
**12:17**
